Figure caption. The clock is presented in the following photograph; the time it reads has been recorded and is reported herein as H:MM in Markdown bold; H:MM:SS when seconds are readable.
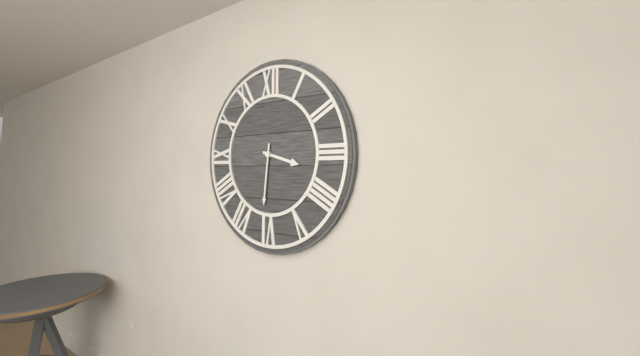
**3:31**
